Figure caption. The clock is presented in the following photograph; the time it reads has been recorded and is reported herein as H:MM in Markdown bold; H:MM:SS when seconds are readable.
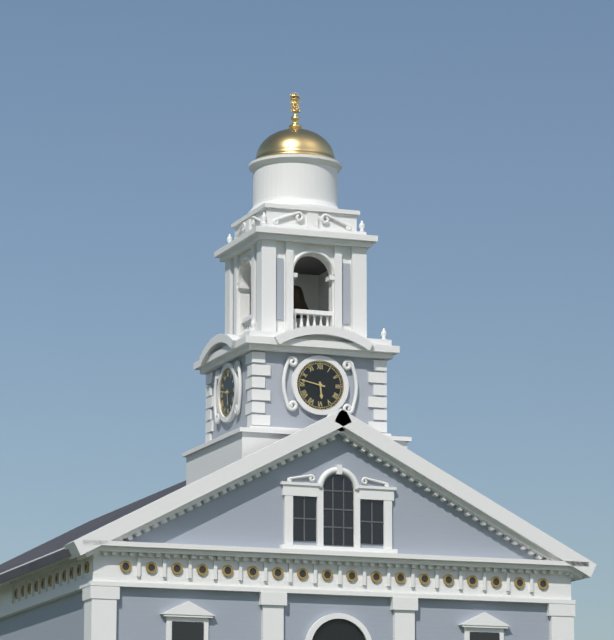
**5:47**
